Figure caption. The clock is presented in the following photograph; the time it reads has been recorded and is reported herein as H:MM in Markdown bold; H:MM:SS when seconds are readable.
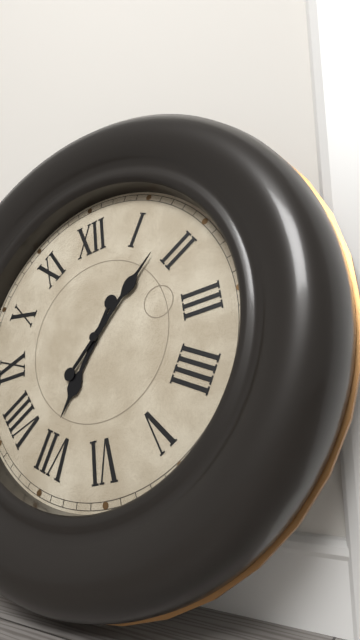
**7:08**
